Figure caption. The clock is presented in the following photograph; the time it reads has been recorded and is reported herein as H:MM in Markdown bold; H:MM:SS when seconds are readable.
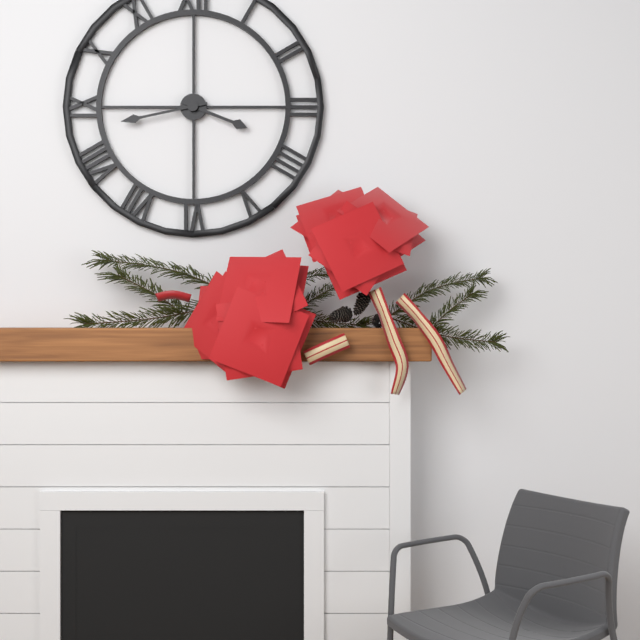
**3:43**
